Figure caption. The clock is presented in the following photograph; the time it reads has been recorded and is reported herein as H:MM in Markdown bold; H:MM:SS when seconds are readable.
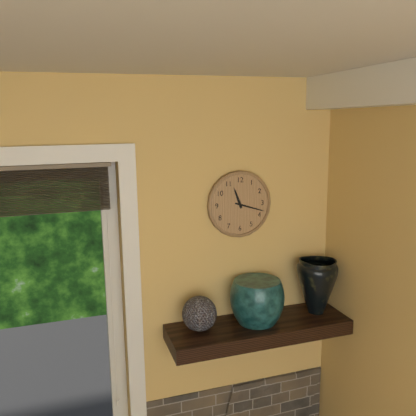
**11:18**
